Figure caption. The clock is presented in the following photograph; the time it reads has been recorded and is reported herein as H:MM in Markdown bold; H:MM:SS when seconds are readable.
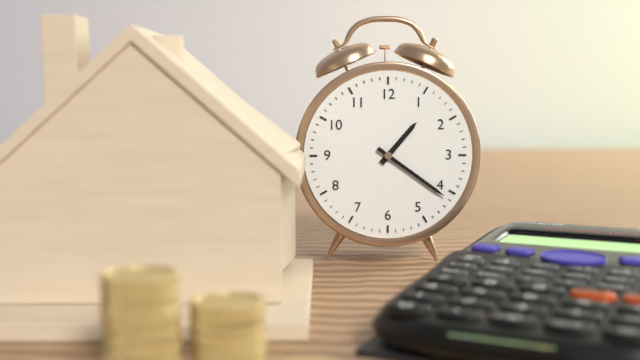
**1:21**
